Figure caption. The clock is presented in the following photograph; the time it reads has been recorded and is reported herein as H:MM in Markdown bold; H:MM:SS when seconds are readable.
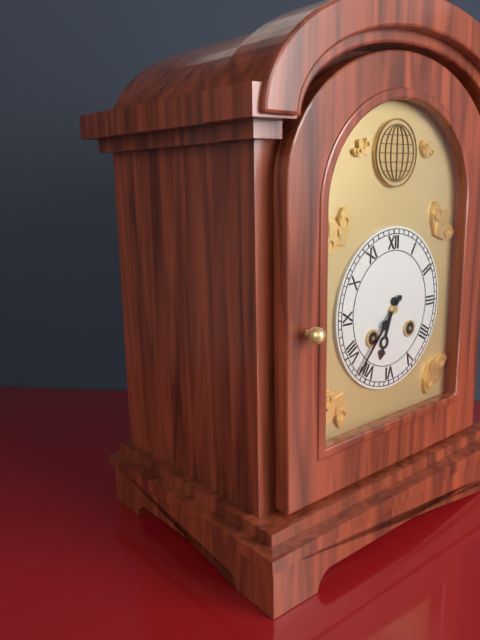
**6:37**
